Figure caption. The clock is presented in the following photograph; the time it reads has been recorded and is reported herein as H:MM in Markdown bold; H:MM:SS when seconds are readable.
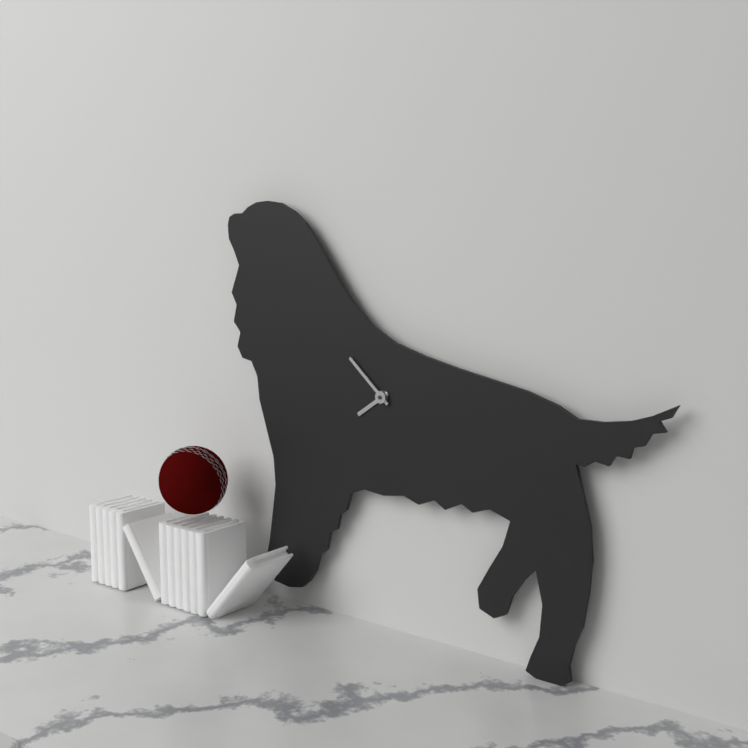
**7:52**
